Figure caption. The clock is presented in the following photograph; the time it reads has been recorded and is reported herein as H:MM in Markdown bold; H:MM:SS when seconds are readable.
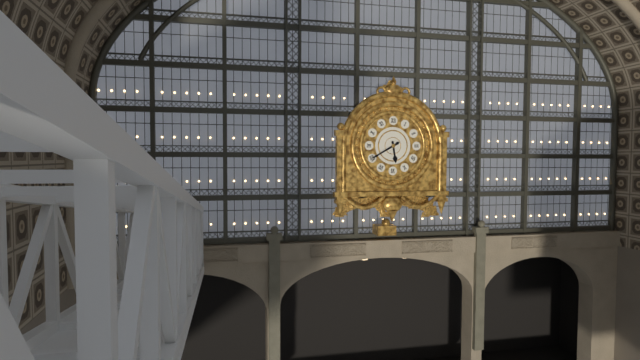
**5:40**
